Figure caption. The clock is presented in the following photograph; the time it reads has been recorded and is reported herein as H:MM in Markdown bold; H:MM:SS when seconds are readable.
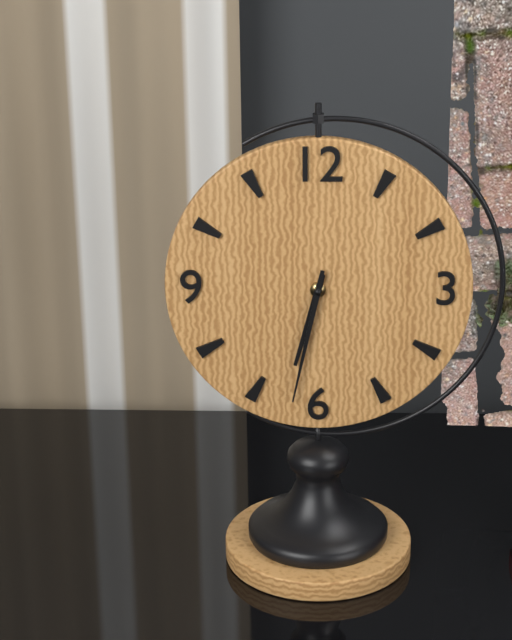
**6:32**
